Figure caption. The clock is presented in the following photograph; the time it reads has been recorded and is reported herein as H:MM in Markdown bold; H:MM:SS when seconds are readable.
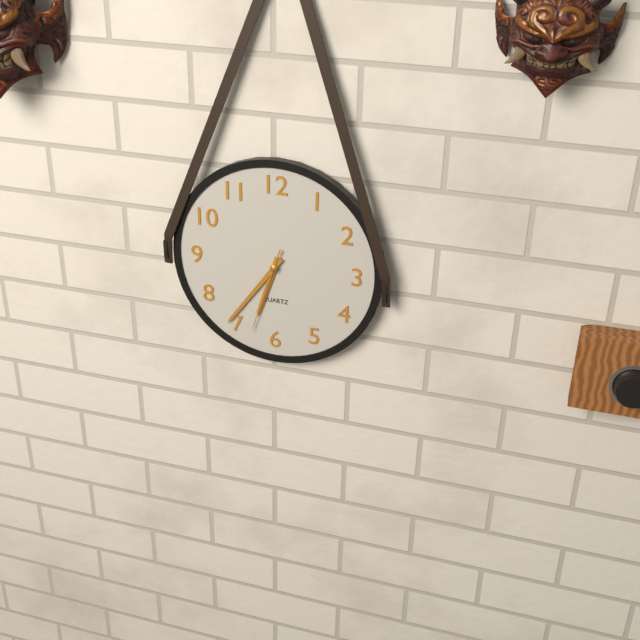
**6:36:33**
